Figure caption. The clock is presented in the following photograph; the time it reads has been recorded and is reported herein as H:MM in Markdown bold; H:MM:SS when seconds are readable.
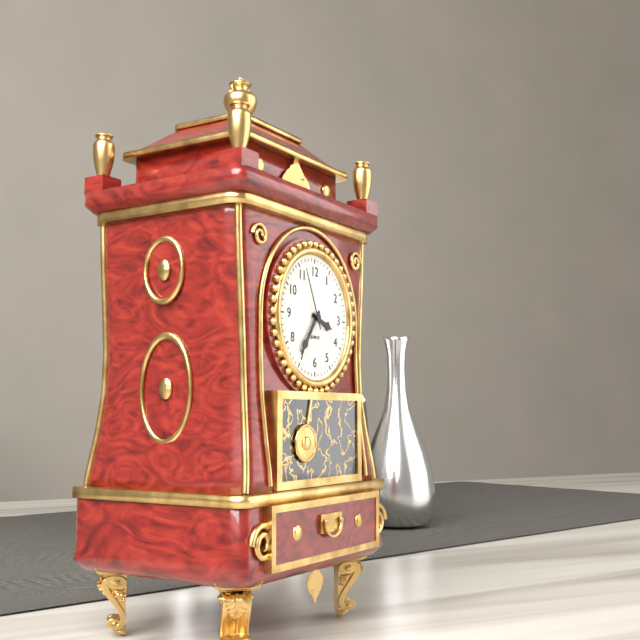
**3:36:56**
